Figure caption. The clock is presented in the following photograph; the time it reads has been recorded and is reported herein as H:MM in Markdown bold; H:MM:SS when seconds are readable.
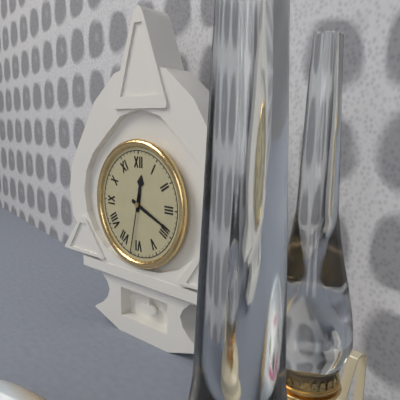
**12:19:32**
